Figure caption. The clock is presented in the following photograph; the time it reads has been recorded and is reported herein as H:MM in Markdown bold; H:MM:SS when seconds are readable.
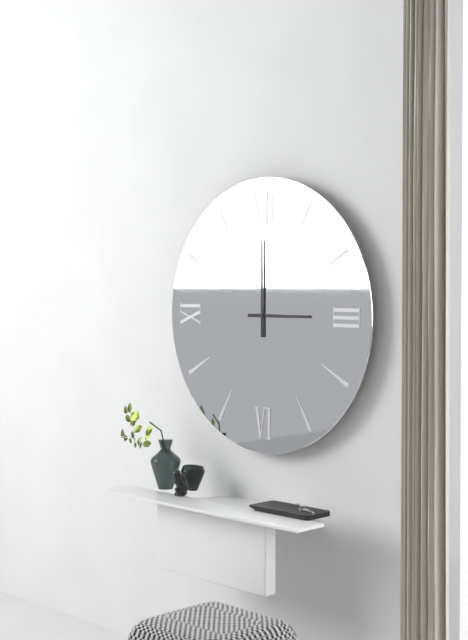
**3:00**
